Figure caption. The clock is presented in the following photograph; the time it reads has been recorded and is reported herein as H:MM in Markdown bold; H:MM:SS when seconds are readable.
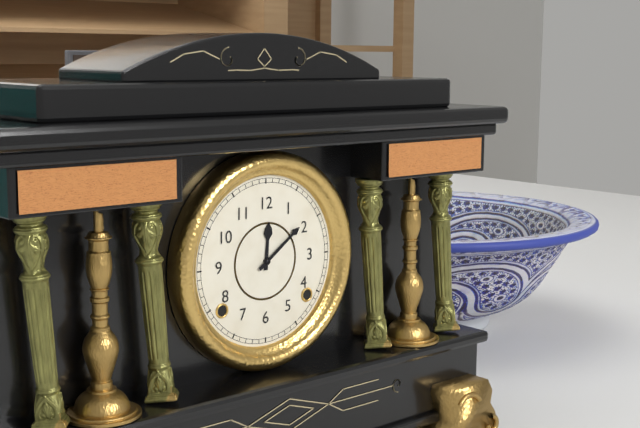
**12:09**
